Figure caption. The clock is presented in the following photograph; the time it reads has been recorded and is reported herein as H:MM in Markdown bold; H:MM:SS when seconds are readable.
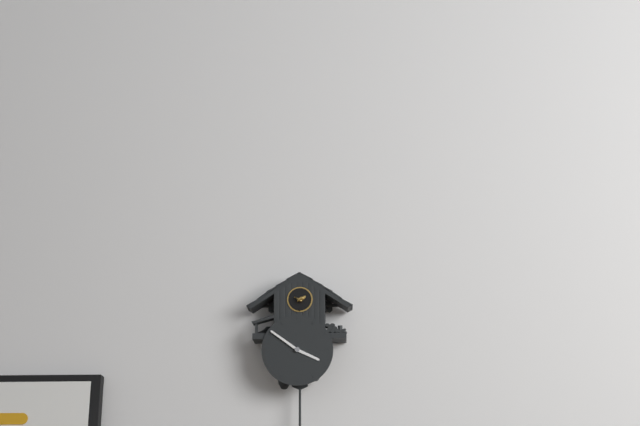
**3:51**
